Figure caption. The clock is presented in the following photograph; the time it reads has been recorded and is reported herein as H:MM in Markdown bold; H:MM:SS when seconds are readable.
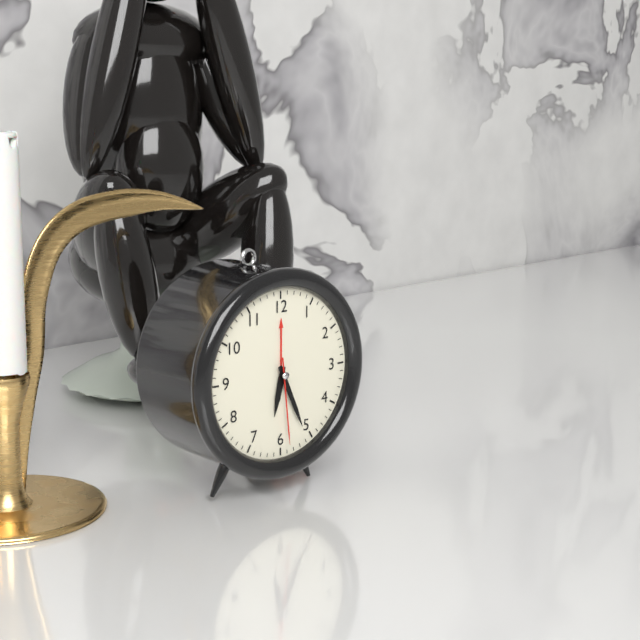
**6:26:29**
